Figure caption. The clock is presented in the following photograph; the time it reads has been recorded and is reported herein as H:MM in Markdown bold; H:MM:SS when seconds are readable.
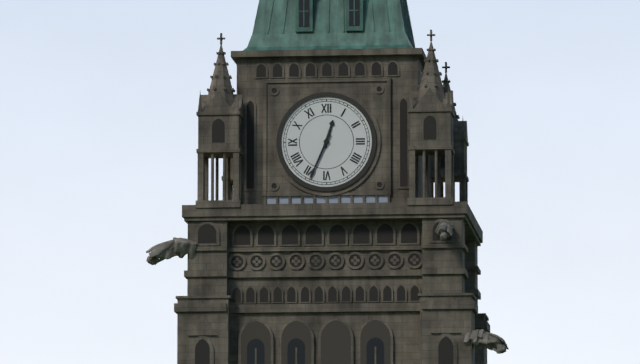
**12:34**
